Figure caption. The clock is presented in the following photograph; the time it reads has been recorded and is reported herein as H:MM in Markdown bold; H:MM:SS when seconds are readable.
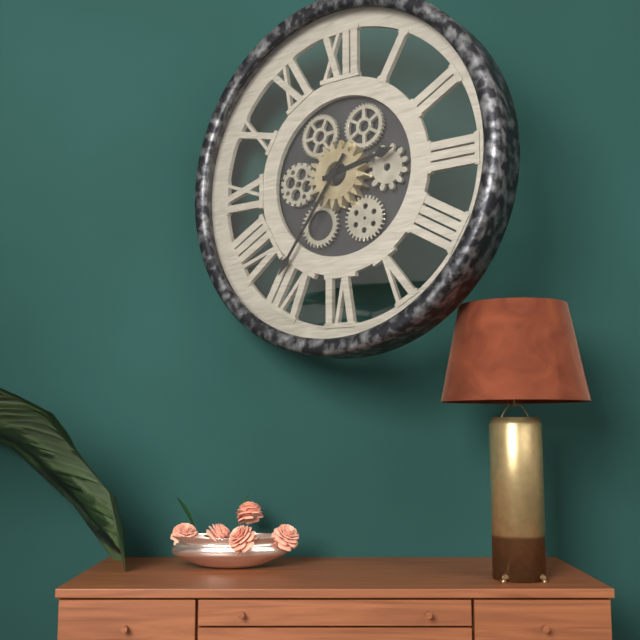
**2:36**
